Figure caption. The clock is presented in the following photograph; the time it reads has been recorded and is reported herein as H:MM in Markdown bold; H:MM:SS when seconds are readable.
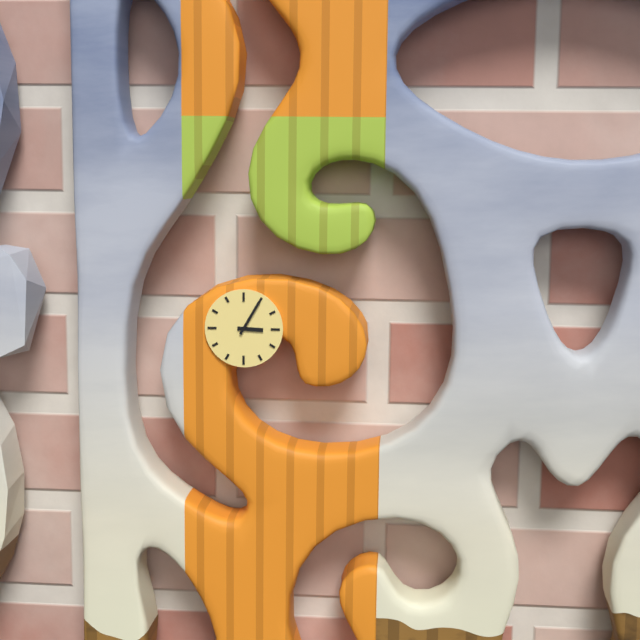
**3:05**
